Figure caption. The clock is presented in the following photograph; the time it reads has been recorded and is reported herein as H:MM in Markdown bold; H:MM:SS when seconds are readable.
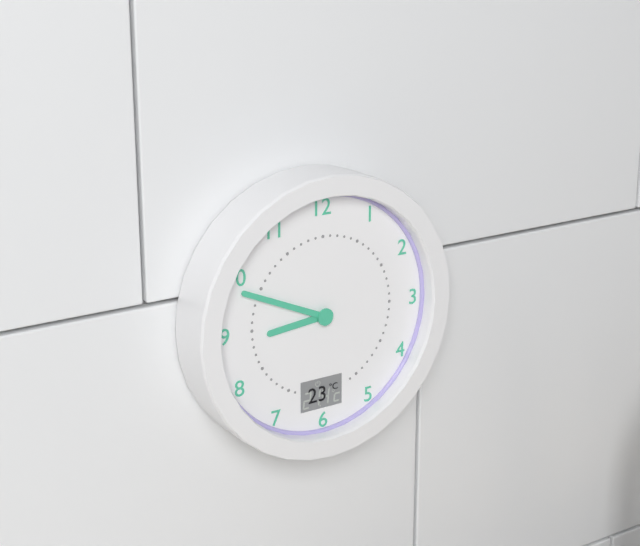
**8:49**
